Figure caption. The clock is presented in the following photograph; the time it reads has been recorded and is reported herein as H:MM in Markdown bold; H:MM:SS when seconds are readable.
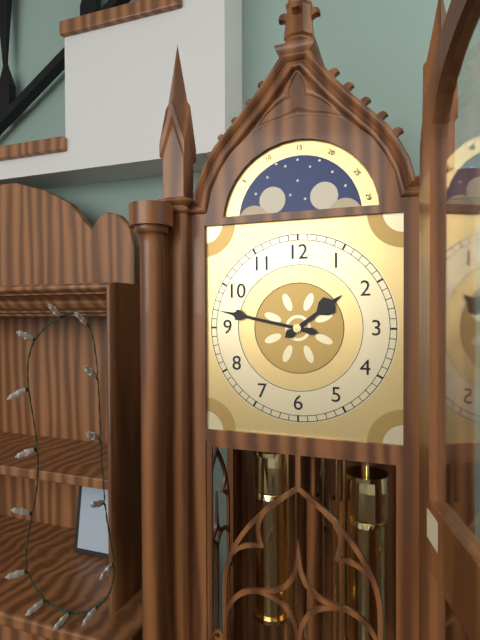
**1:47**
